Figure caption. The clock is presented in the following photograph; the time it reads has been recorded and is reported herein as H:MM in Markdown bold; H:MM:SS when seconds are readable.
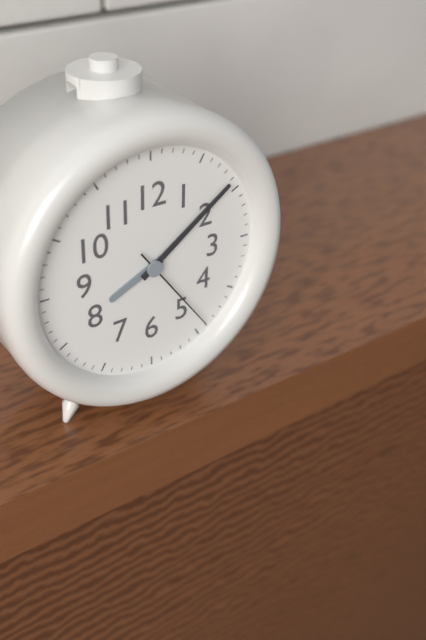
**8:09:24**
